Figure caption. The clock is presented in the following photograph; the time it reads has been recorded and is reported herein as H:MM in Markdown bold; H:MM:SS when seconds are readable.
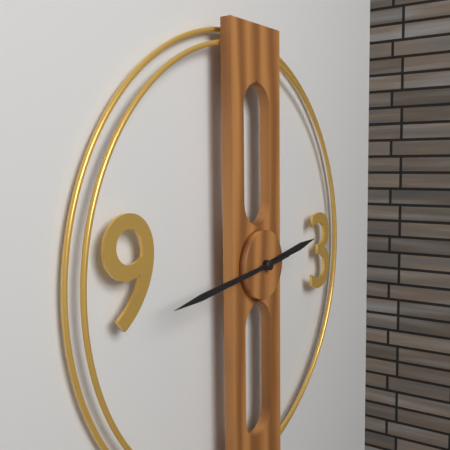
**2:44**
